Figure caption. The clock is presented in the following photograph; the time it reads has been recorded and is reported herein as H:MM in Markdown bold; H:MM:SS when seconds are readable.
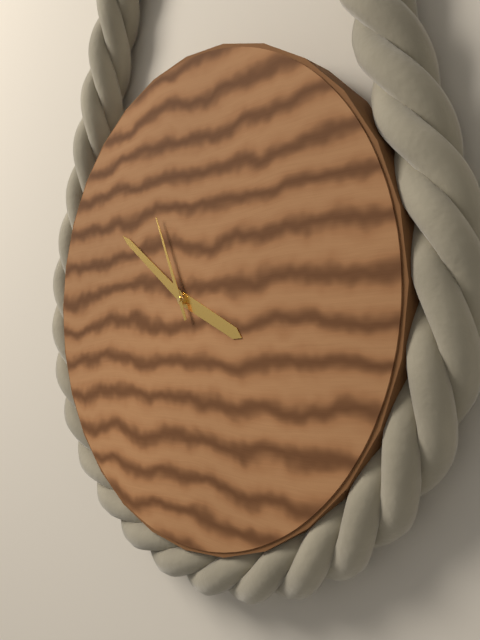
**3:51:56**
